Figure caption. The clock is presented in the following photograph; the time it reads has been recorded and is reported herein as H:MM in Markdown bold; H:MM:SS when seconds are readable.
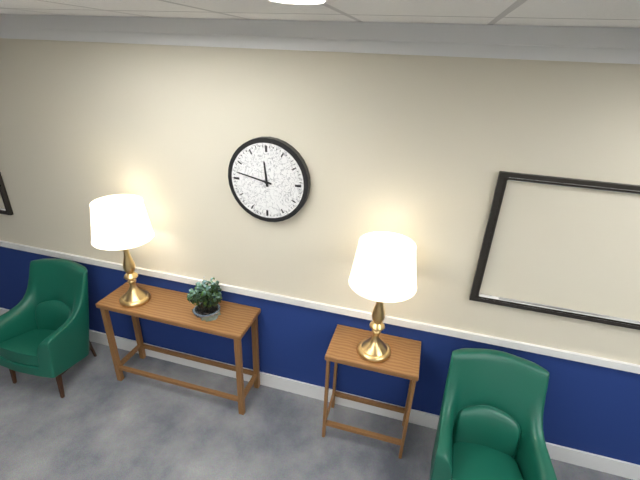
**11:47**
